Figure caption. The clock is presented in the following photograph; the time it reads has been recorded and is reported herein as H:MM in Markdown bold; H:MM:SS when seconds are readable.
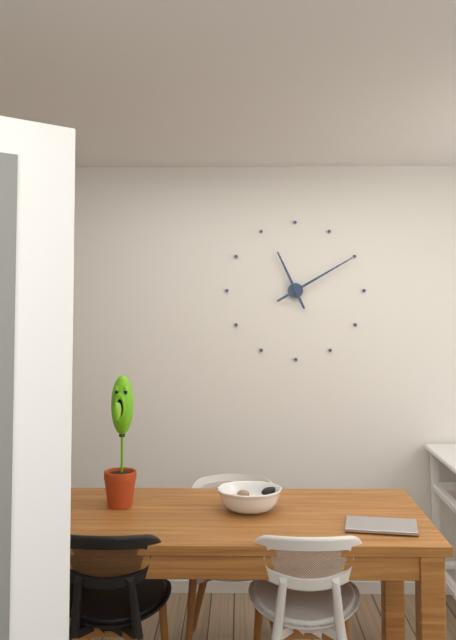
**11:10**
